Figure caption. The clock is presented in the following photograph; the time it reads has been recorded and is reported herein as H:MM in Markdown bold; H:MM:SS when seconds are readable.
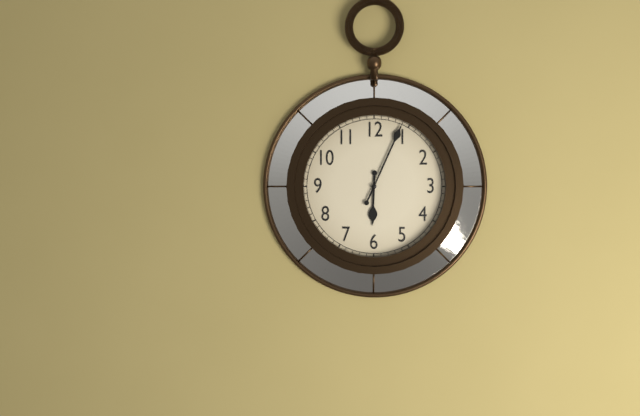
**6:04**
